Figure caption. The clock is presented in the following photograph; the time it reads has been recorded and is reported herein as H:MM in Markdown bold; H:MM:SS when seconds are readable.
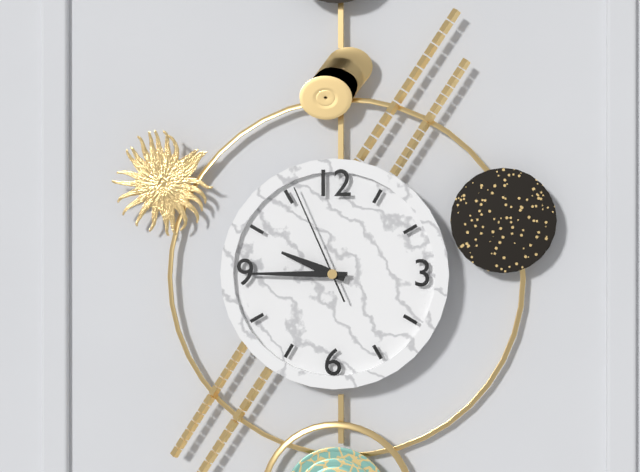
**9:45:56**
